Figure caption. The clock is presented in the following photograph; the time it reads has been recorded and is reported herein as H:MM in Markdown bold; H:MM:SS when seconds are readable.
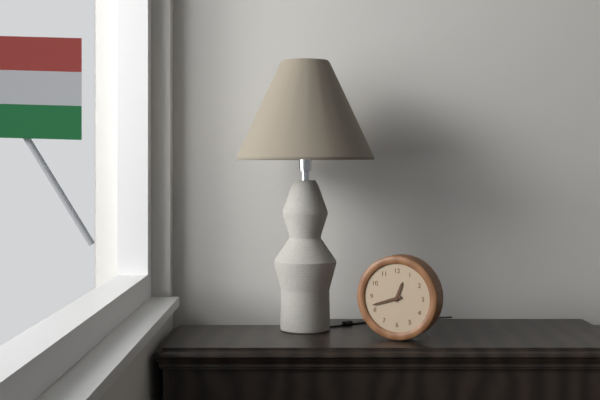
**12:42**
